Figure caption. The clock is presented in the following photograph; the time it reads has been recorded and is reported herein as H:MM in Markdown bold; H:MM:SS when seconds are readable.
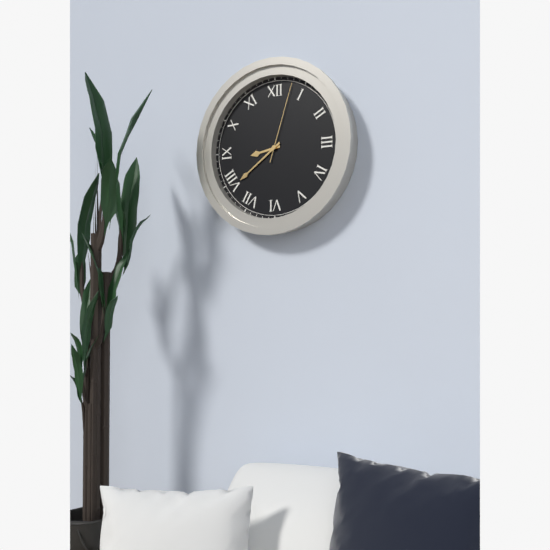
**8:39:03**
